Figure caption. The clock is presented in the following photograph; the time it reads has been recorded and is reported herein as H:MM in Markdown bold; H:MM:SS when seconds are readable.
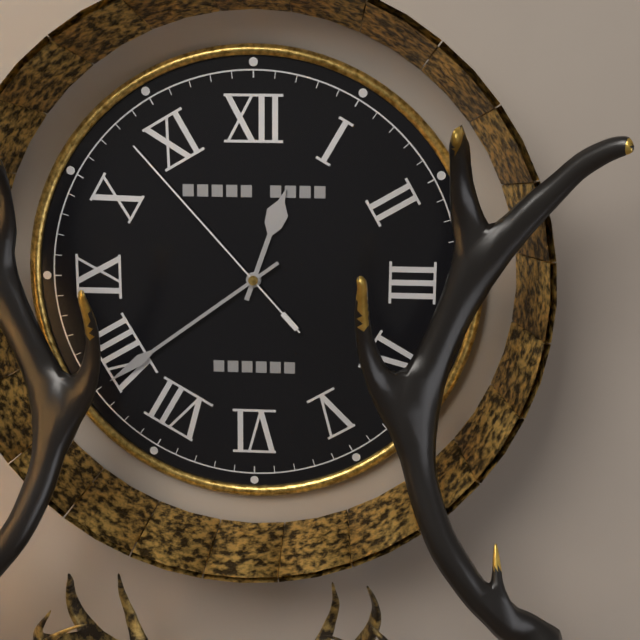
**12:39:53**
